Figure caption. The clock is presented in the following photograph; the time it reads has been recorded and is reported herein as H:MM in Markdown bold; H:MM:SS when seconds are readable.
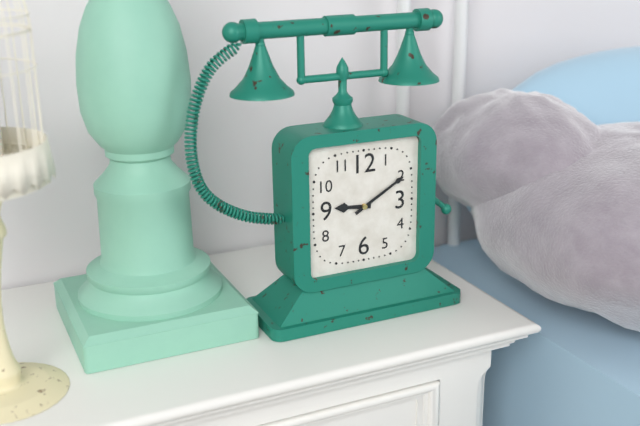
**9:10**
